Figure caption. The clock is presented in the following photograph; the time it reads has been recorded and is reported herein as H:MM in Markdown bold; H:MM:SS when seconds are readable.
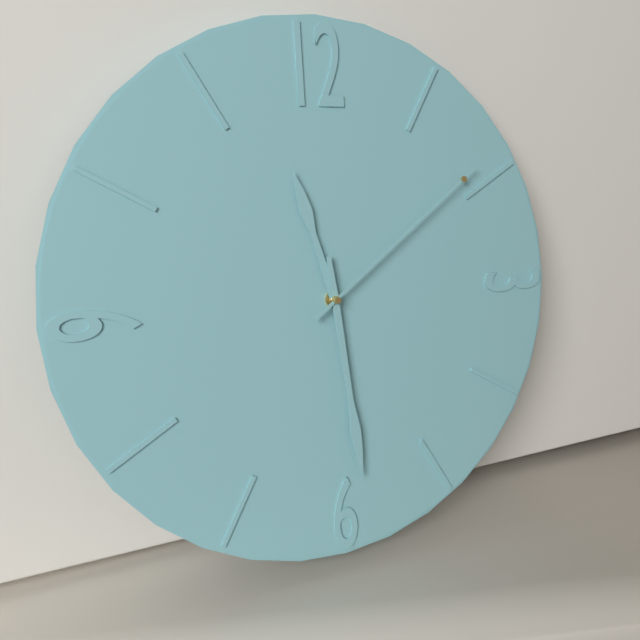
**11:29:09**
